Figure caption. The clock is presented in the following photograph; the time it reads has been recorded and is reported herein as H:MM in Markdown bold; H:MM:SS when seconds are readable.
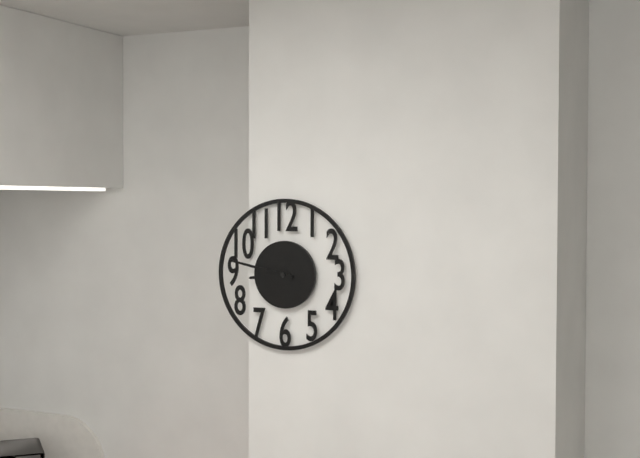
**8:47**
